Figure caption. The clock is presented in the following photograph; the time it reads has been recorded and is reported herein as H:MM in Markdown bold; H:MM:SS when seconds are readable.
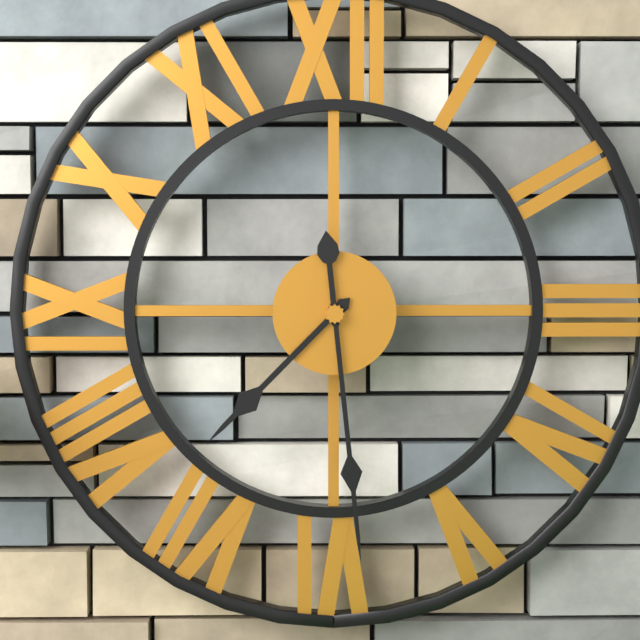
**7:29**
